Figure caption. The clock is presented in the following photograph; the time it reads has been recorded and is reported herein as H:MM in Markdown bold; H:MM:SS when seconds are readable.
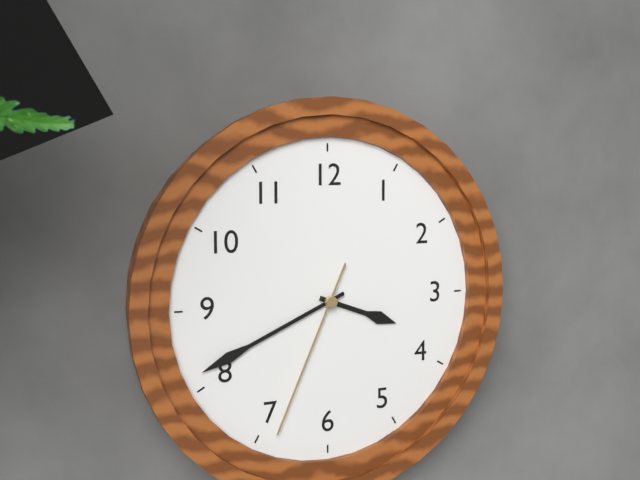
**3:41:34**
